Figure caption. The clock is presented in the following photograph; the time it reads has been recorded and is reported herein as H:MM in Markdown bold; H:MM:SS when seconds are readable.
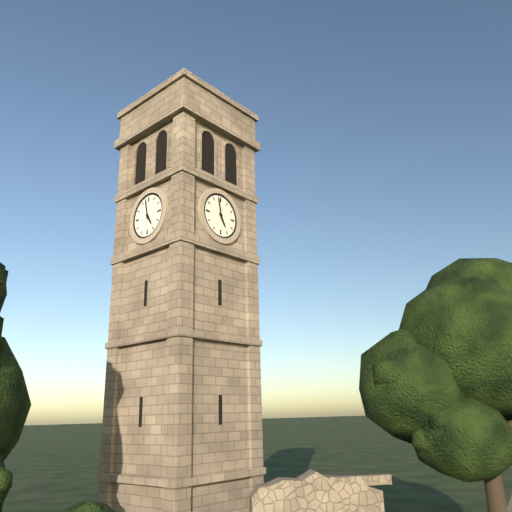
**4:58**
